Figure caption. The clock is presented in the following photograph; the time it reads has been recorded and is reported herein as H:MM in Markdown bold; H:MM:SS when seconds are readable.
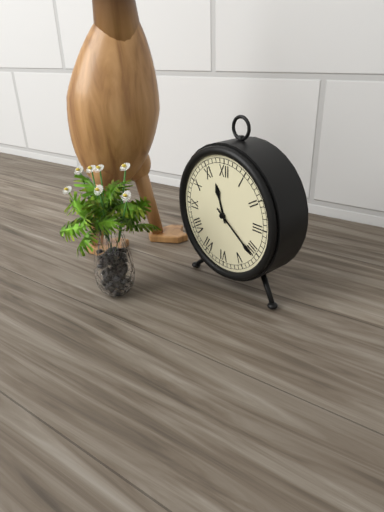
**11:21**
